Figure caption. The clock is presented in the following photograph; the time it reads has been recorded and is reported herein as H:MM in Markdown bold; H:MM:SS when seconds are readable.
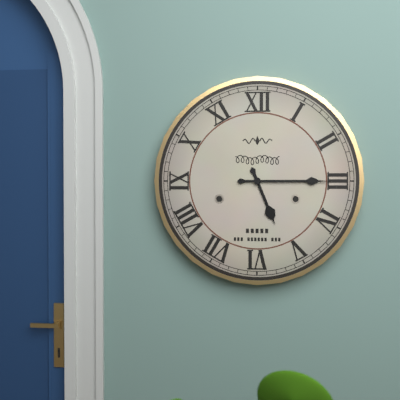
**5:15**
